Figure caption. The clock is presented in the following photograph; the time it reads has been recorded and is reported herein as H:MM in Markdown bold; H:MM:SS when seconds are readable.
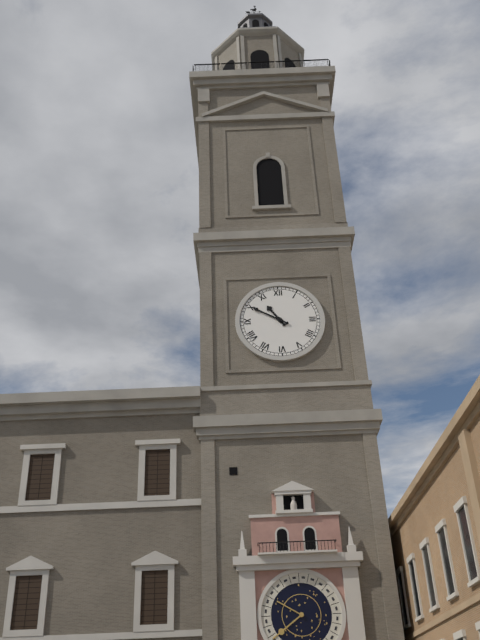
**10:50**
